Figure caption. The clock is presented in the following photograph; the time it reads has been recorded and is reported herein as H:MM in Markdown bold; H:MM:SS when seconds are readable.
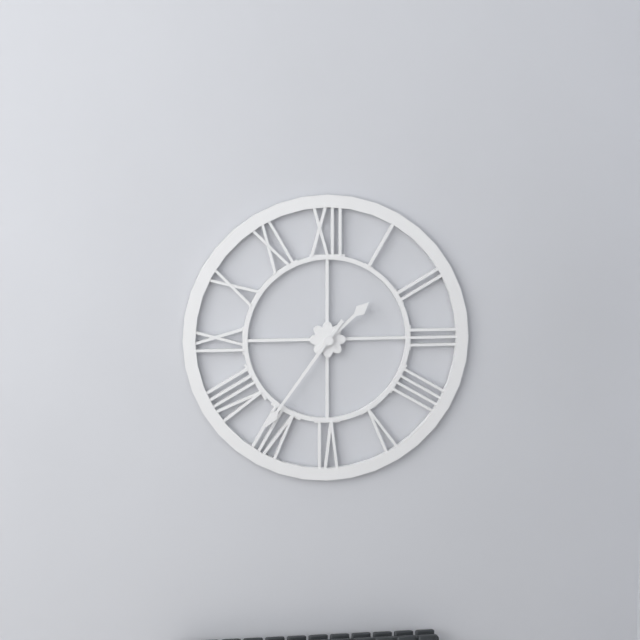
**1:36**
